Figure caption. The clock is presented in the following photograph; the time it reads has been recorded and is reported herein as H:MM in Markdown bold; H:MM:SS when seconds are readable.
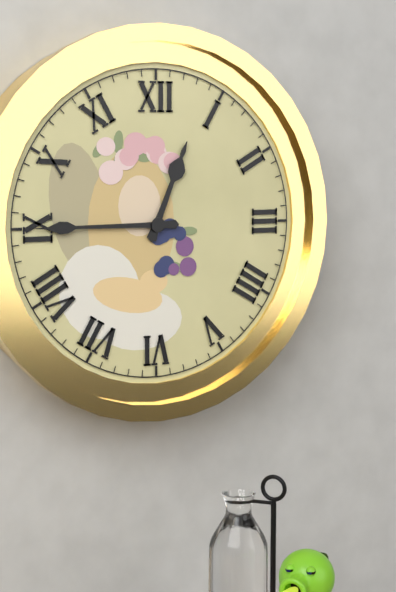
**12:45**
